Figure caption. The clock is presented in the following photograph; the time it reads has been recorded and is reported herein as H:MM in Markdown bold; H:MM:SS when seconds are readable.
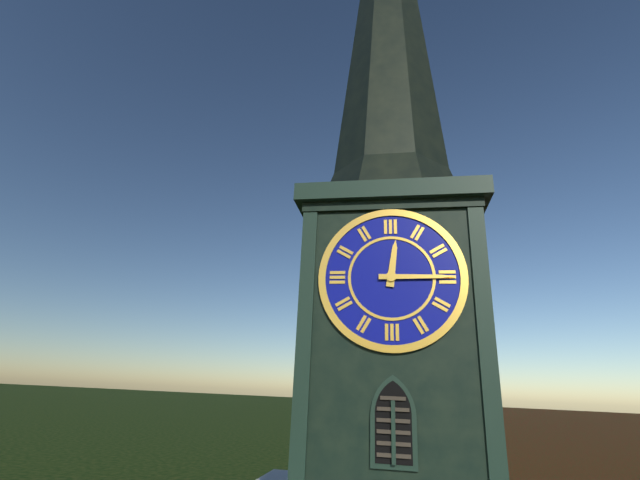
**12:15**
